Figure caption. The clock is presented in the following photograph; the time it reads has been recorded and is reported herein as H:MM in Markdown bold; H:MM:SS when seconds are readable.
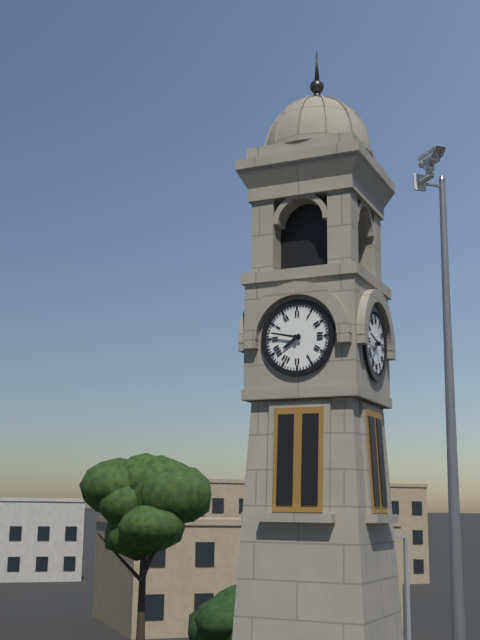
**7:47**
